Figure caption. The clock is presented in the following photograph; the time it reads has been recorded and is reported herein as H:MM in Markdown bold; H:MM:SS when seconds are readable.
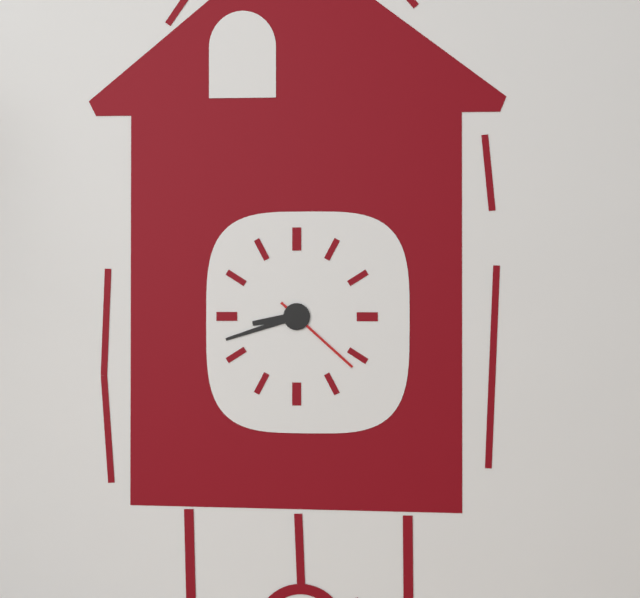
**8:42:22**
